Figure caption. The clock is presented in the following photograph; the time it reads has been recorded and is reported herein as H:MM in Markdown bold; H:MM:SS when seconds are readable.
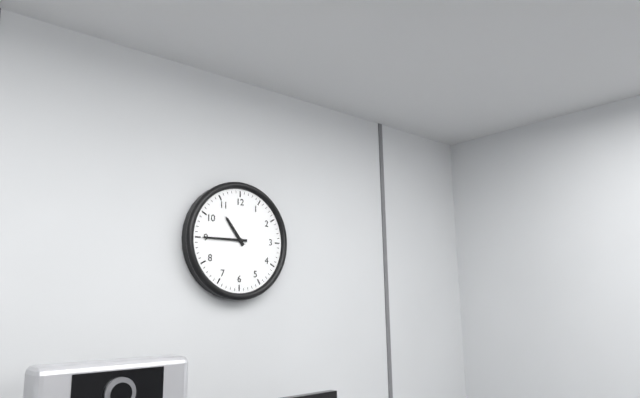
**10:45**
